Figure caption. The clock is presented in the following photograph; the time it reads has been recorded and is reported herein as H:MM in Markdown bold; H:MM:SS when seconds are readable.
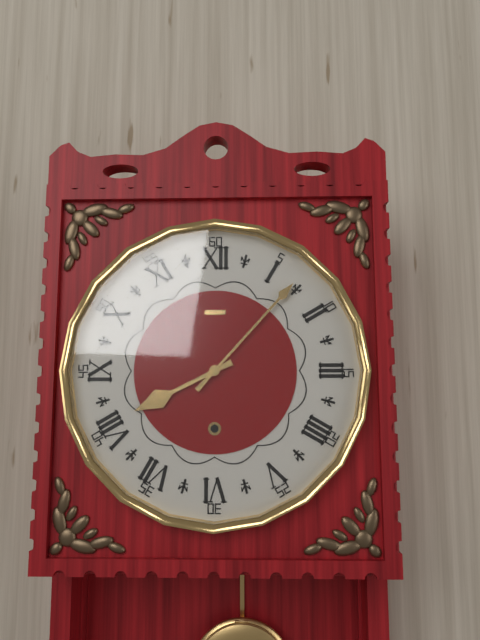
**8:07**
